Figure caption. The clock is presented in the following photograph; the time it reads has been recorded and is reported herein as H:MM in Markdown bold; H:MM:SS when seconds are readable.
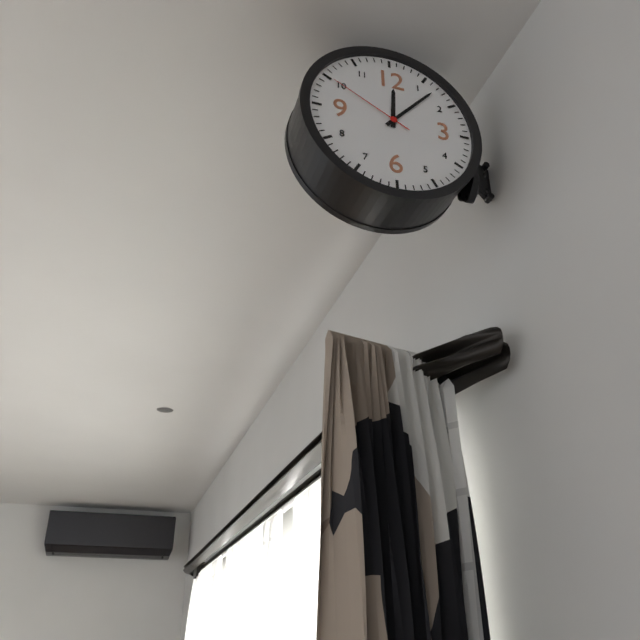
**12:07:50**
